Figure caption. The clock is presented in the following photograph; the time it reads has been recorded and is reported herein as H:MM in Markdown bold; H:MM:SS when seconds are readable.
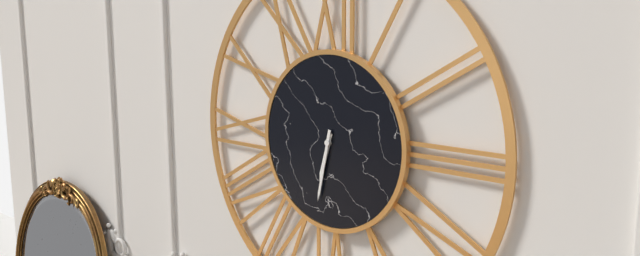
**6:32**
